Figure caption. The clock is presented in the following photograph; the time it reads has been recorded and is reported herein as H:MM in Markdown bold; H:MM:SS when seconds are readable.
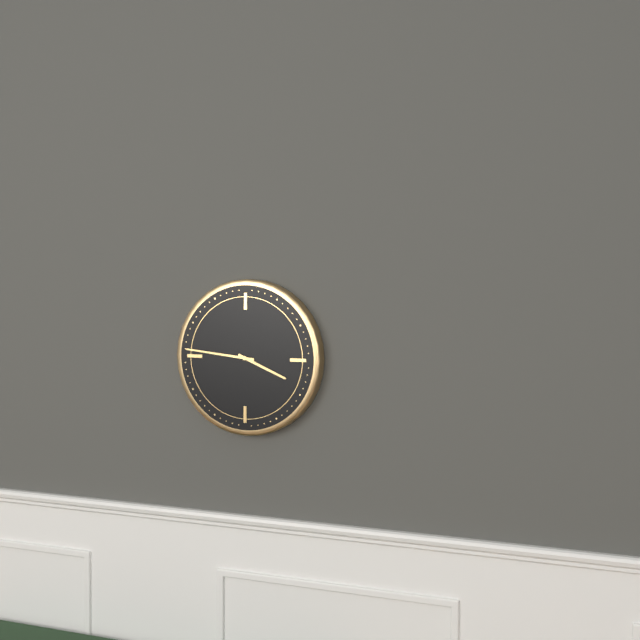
**3:46**
